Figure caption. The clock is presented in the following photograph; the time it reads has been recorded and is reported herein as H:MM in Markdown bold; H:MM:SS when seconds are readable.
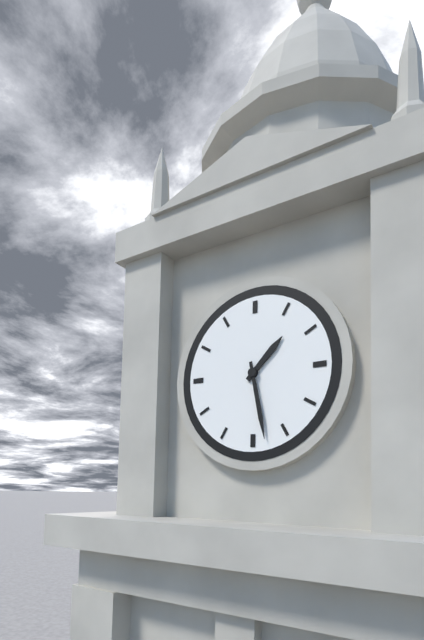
**1:28**
